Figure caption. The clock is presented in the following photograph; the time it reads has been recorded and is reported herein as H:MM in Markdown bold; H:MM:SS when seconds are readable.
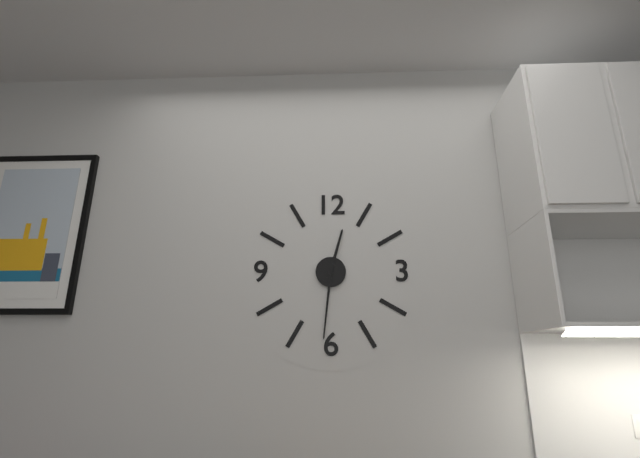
**12:31**
